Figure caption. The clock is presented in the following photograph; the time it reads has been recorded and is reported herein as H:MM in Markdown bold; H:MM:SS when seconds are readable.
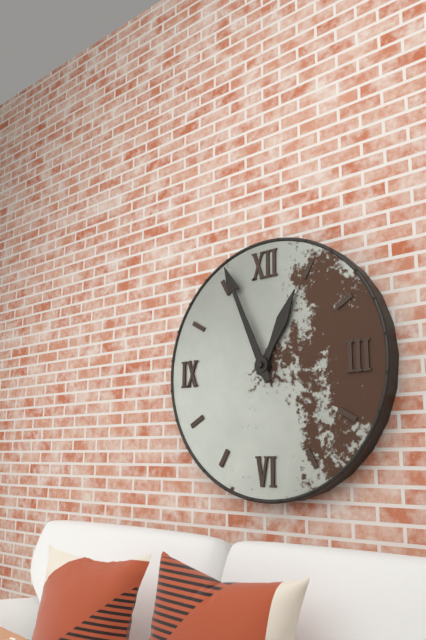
**12:56**
